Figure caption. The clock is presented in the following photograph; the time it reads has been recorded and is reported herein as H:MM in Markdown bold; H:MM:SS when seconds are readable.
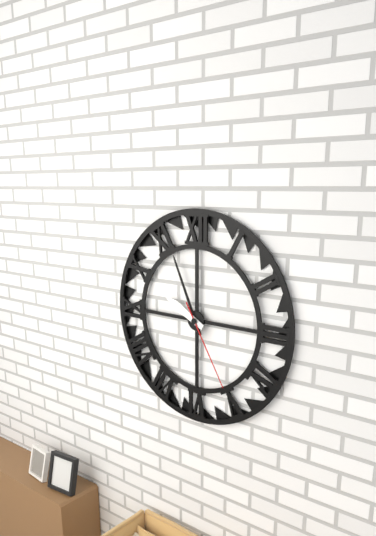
**9:56:25**
